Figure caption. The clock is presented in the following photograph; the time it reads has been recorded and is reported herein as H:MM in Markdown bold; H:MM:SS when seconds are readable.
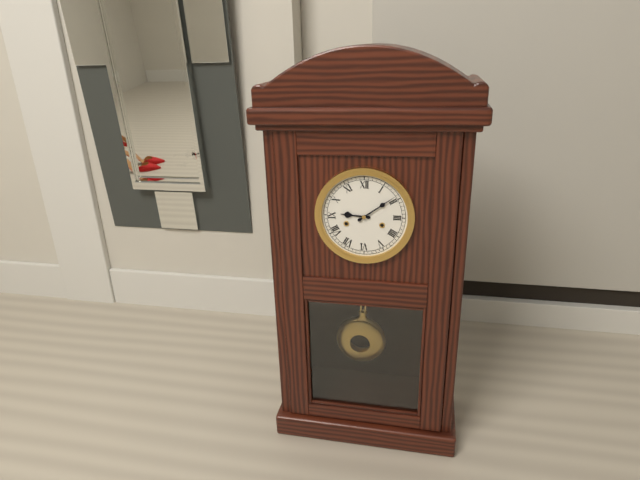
**9:09**
